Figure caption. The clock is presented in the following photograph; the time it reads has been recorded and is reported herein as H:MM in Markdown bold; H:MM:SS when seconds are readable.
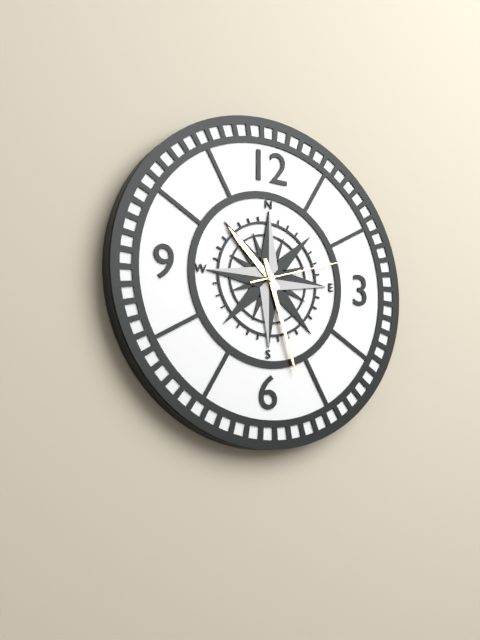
**10:27:12**
